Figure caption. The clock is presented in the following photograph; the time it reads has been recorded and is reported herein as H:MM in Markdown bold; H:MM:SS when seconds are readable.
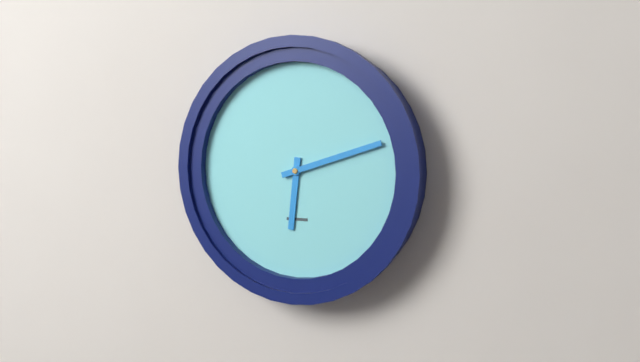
**6:12**
